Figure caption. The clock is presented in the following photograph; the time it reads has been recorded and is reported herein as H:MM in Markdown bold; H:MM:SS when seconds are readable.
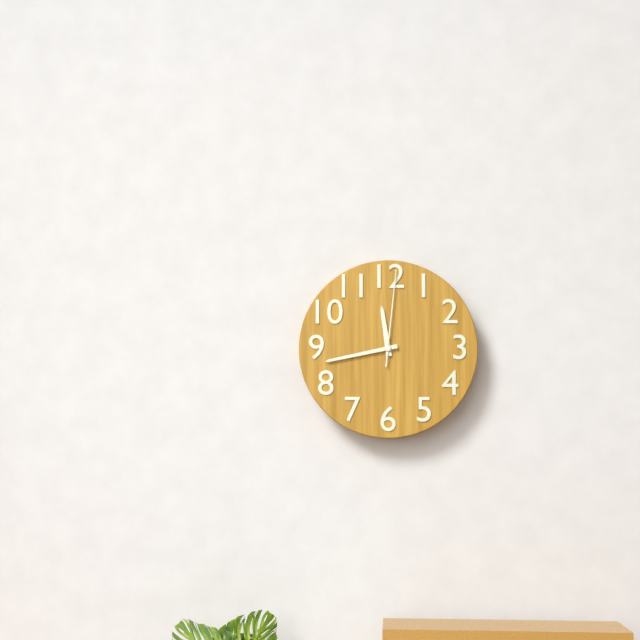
**11:43:01**
